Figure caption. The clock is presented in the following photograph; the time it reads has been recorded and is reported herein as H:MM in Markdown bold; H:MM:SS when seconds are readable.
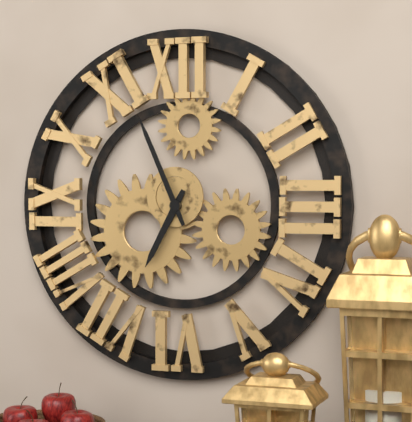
**6:56**
